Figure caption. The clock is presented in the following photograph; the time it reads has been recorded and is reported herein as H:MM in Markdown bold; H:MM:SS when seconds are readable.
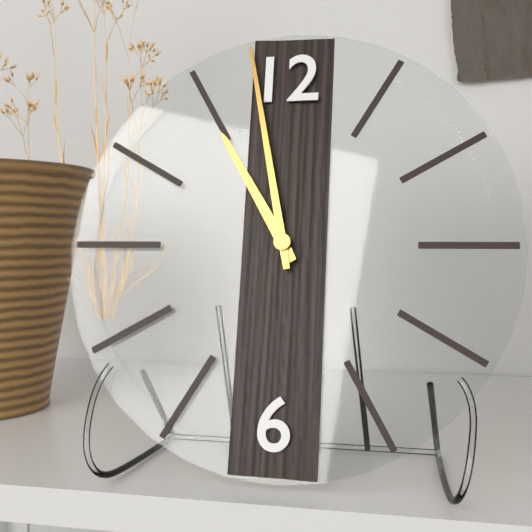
**10:58**
